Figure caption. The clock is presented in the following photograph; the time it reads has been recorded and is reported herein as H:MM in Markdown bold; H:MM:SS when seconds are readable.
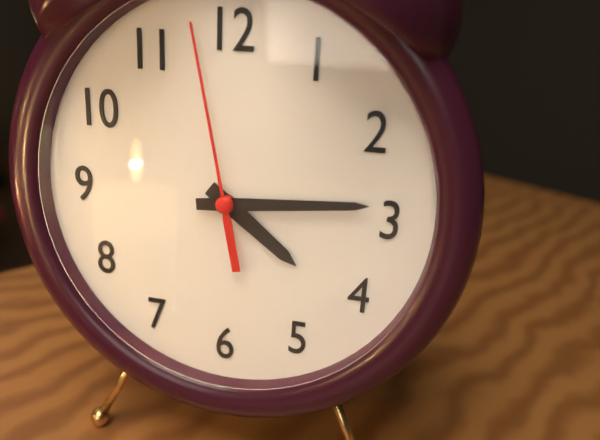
**4:14:58**
